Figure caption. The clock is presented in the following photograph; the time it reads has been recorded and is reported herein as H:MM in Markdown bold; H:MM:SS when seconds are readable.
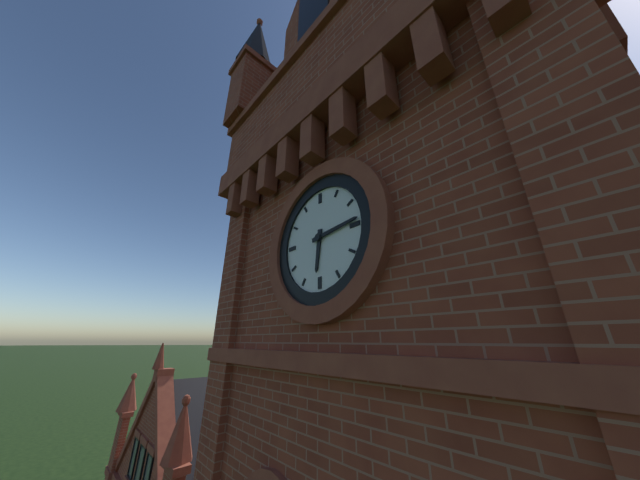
**6:14**
